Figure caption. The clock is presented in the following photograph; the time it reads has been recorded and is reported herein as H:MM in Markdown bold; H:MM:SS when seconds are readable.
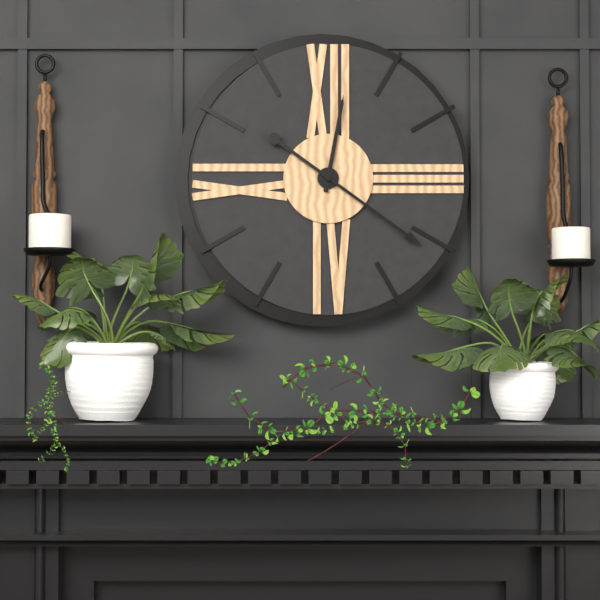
**12:21**
